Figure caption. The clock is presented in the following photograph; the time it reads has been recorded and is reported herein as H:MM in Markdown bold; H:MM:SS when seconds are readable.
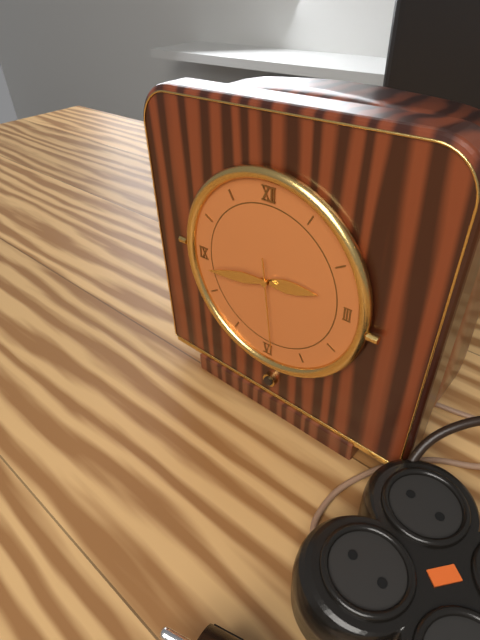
**2:43:29**
